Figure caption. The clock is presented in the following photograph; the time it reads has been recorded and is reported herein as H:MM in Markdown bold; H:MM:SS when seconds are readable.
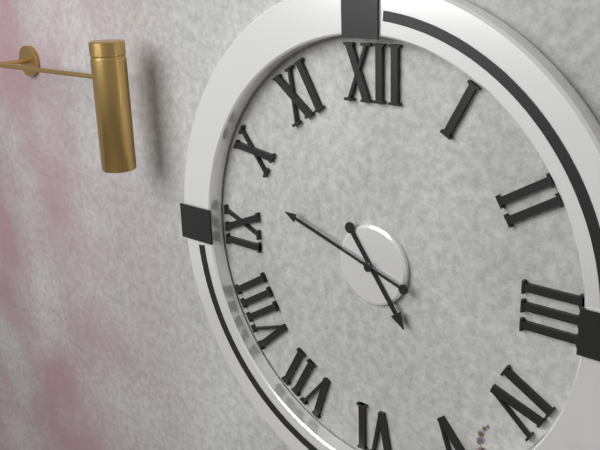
**4:48**
